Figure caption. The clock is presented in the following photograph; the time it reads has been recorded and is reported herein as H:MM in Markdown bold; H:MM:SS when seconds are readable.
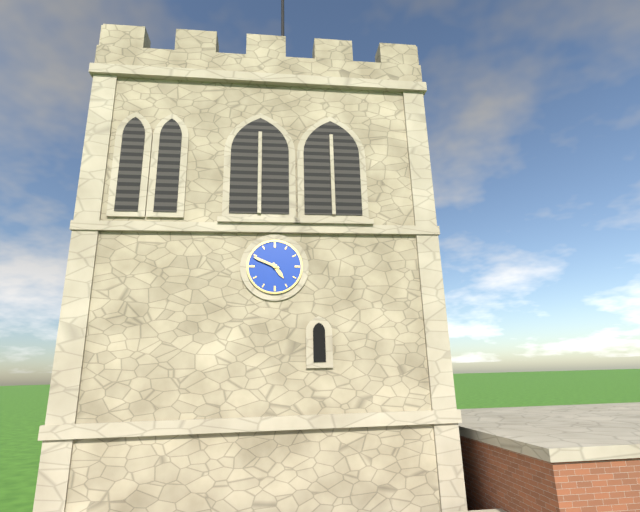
**4:49**
